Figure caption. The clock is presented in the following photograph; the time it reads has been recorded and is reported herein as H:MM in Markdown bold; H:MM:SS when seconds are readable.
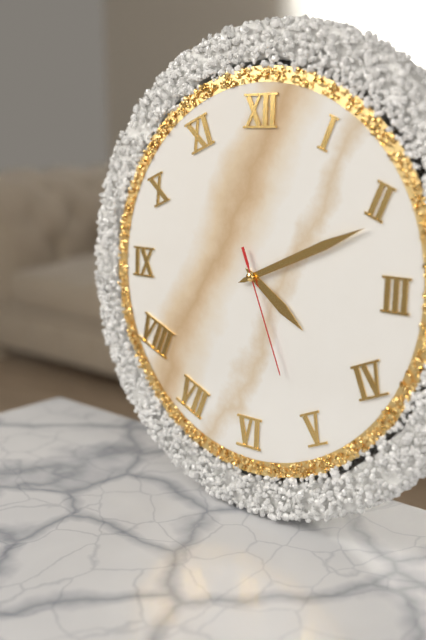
**4:11:26**
